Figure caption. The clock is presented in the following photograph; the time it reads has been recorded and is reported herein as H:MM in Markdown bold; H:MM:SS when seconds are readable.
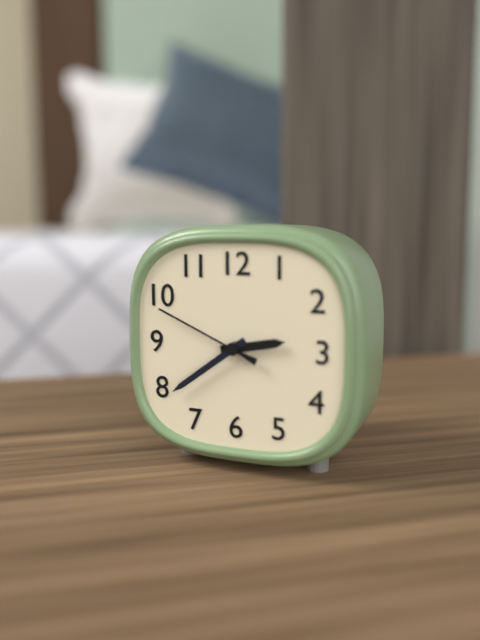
**2:39:49**
